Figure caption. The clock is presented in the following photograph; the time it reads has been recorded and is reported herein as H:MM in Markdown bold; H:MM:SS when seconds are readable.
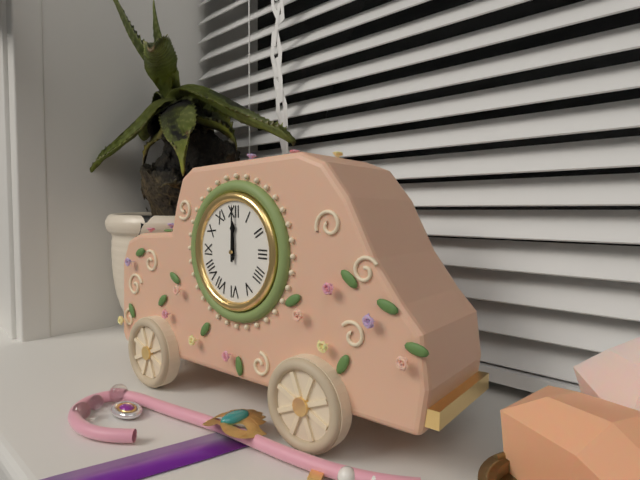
**12:00**
